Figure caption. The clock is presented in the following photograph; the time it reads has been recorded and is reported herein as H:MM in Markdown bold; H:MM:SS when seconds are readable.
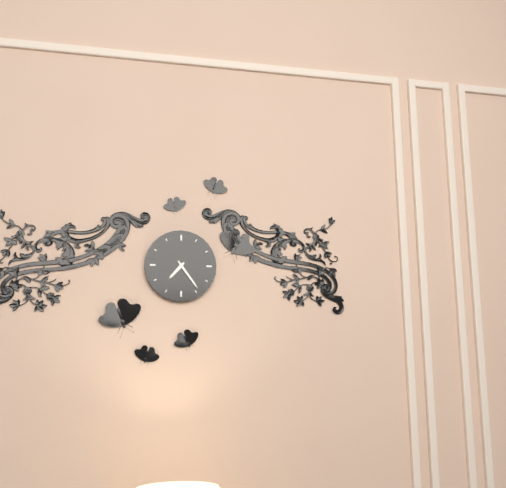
**7:24**
